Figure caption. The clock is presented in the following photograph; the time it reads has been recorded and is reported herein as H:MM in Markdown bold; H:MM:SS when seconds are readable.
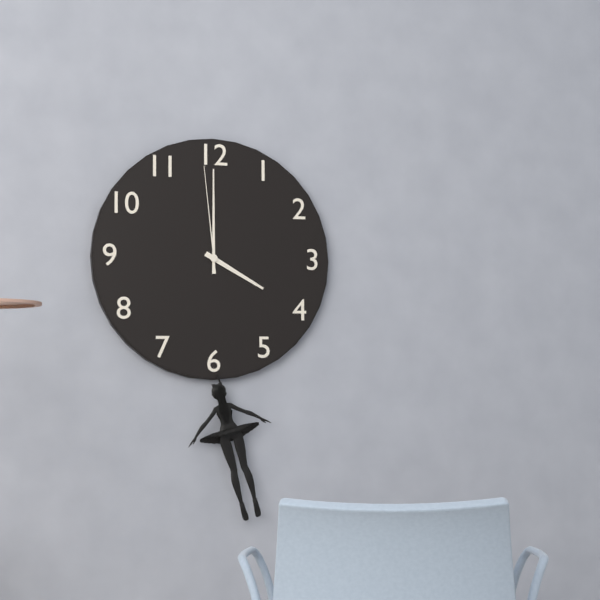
**4:00:59**
